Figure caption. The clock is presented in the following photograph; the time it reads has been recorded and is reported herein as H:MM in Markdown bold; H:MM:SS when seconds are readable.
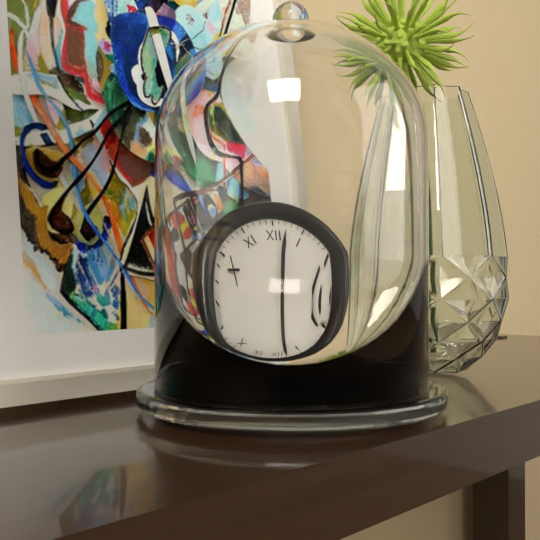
**3:02**
